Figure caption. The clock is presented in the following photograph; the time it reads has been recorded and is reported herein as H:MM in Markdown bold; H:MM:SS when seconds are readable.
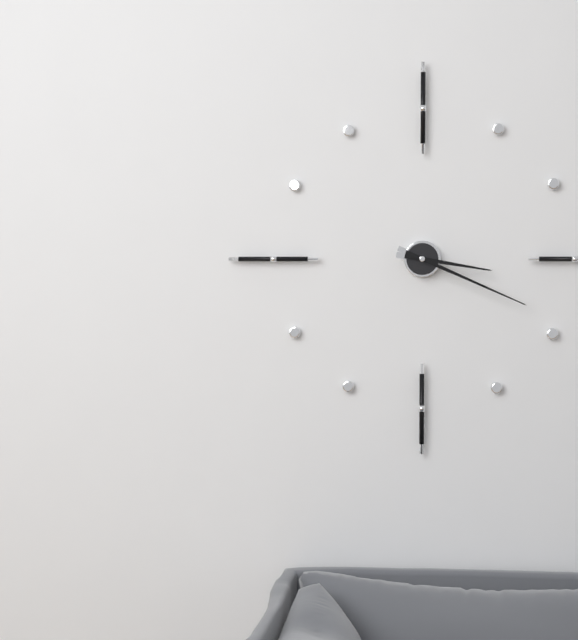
**3:19**
